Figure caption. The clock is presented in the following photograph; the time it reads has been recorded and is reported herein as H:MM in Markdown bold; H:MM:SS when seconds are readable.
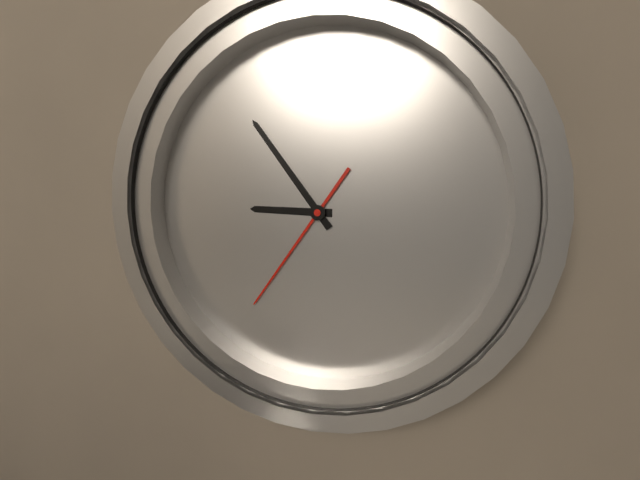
**8:53:35**
